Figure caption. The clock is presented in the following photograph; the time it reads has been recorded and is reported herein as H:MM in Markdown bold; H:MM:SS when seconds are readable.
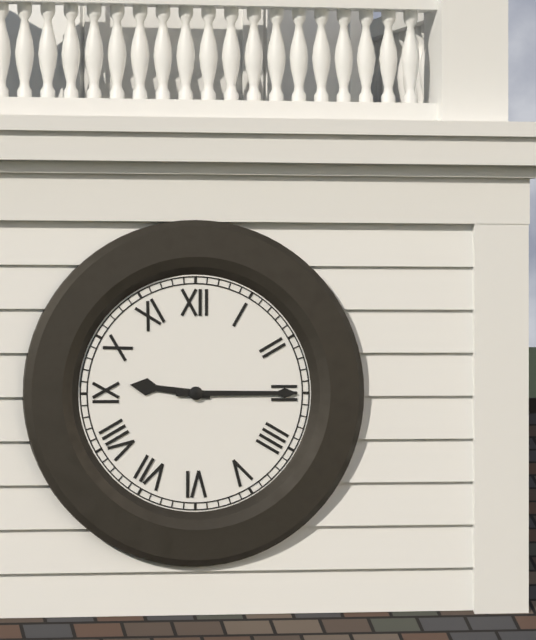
**9:15**
